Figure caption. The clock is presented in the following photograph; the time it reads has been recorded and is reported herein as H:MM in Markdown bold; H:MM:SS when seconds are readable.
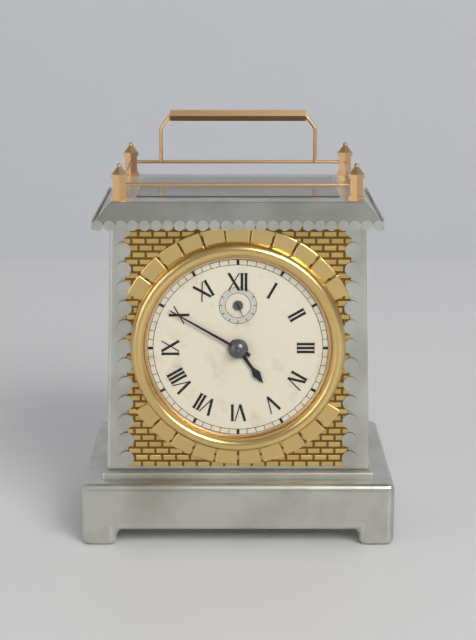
**4:50**
